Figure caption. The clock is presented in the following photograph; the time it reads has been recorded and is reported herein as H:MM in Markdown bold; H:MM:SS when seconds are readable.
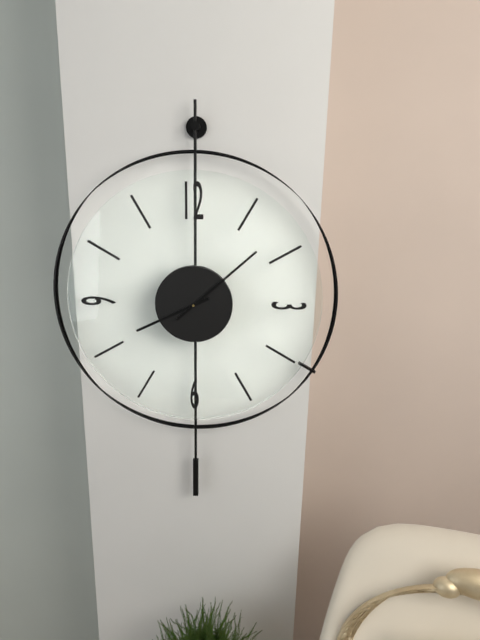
**8:08**
